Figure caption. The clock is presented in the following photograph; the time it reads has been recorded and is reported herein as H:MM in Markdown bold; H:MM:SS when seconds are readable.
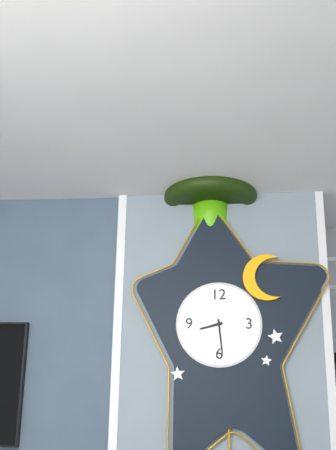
**8:29**
